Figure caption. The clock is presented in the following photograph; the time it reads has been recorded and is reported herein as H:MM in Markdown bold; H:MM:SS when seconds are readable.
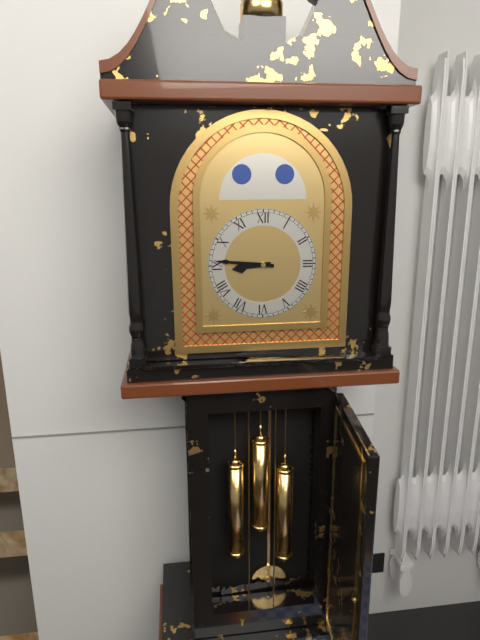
**8:46**
